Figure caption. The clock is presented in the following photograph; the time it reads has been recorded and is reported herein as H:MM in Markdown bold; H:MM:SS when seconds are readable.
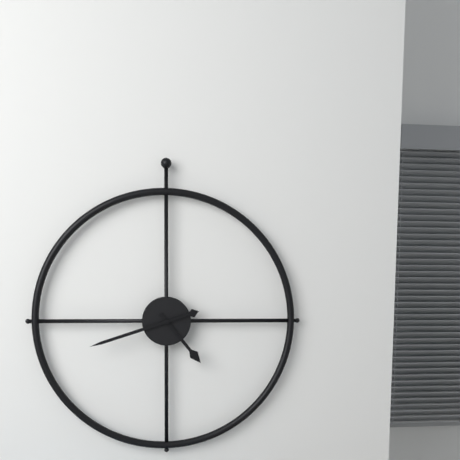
**4:42**
